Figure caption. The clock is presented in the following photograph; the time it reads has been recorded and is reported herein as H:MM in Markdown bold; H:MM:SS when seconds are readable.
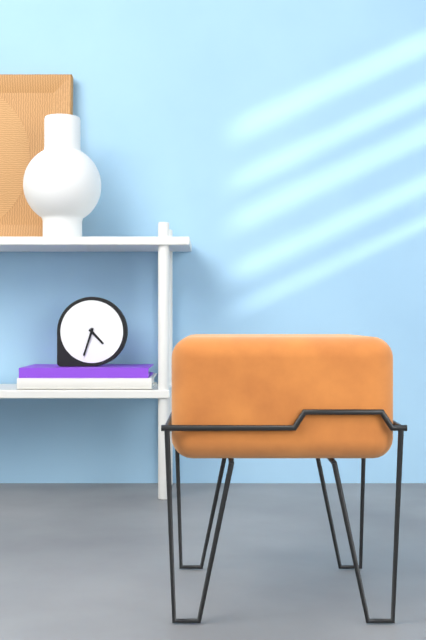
**4:33**
